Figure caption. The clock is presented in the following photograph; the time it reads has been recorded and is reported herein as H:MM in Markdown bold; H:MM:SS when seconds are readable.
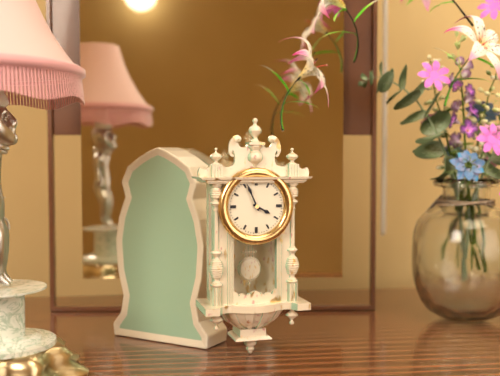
**3:56**
